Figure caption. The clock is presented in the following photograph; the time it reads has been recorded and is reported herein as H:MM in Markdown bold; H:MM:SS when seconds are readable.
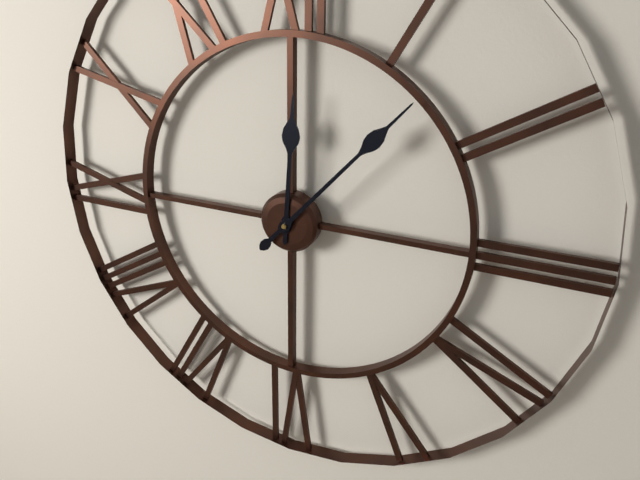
**12:07**
